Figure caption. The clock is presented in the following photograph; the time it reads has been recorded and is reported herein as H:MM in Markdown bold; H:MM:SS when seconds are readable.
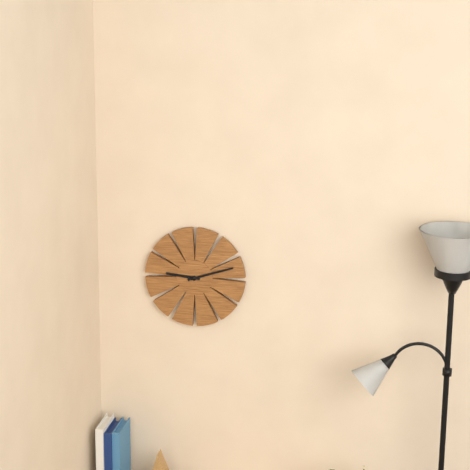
**9:12**
